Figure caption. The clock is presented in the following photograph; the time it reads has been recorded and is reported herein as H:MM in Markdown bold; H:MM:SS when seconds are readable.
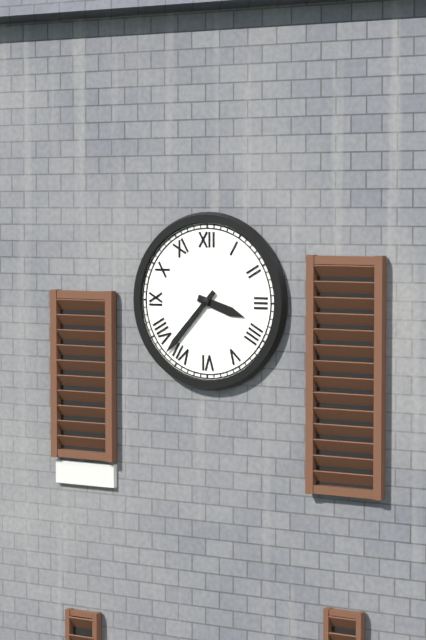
**3:37**
